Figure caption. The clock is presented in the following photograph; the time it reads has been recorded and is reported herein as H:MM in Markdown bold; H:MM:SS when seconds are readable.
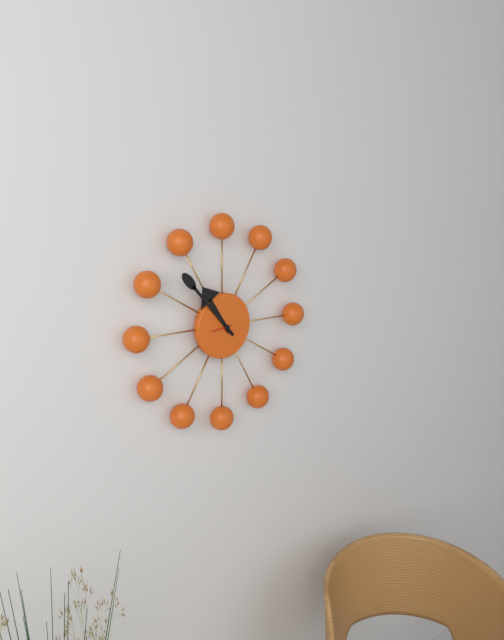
**10:53**
